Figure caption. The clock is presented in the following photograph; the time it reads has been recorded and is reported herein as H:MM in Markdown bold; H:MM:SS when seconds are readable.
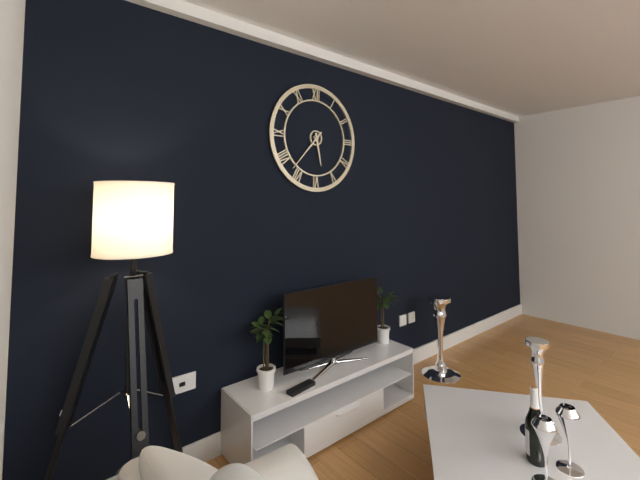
**5:37**
